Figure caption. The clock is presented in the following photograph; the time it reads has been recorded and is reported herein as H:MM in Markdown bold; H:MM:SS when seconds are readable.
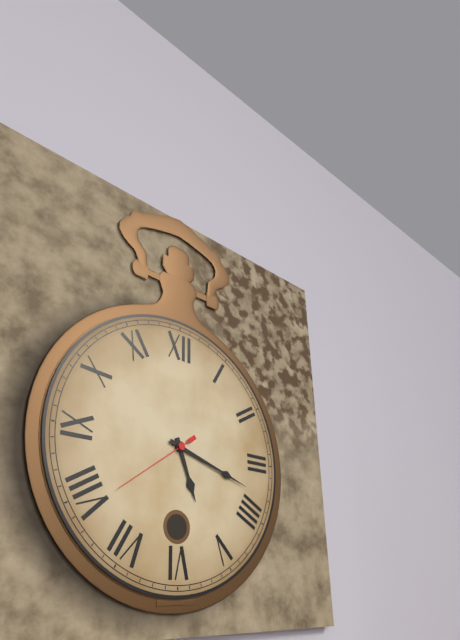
**5:18:39**
